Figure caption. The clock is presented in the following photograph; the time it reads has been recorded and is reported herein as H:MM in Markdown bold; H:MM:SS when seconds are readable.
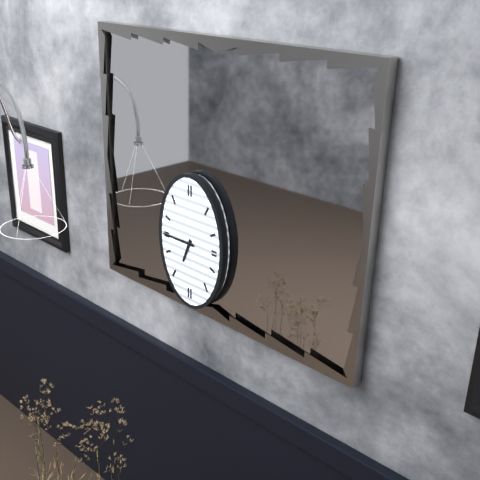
**6:45**
